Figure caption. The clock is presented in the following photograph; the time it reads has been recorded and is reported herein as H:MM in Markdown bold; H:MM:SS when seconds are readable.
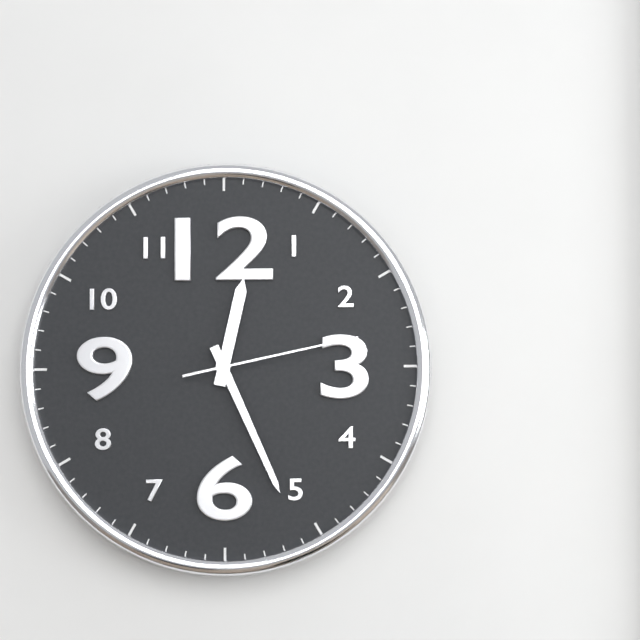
**12:26:13**
